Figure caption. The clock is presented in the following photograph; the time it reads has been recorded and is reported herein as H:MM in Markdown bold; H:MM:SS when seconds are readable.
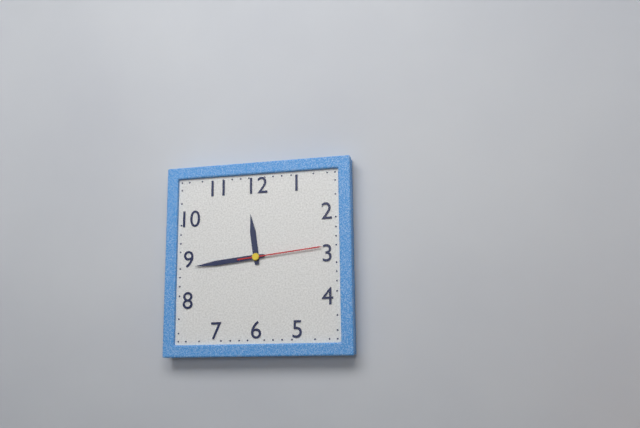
**11:44:14**
